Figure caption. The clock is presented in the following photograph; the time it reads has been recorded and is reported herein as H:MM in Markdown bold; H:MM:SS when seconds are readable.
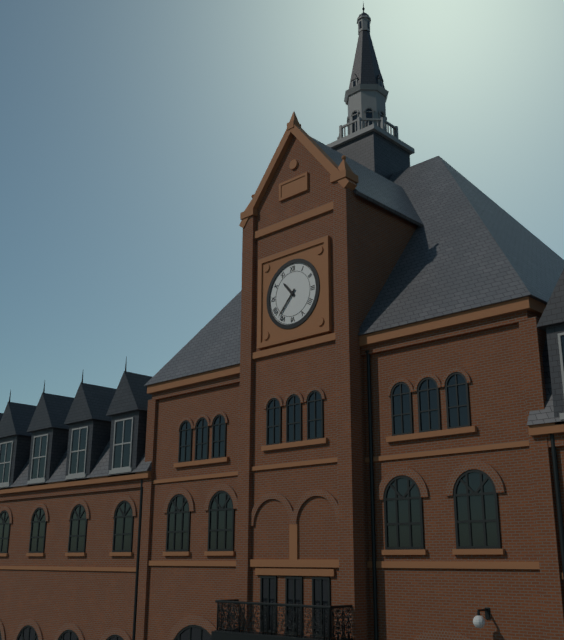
**10:37**
